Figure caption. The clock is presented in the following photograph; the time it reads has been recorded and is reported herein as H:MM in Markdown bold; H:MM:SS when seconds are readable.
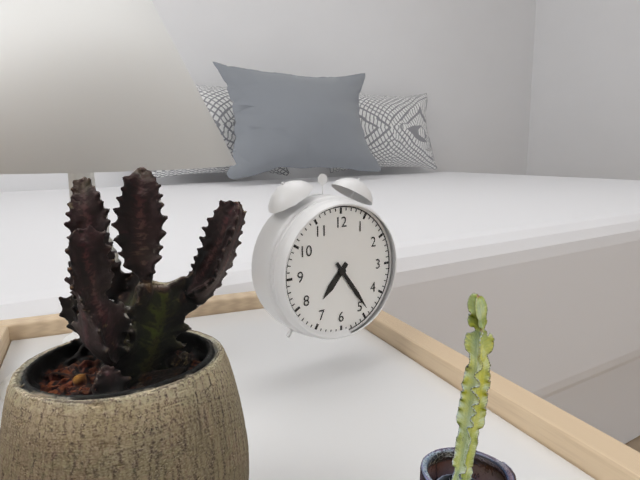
**7:24**
